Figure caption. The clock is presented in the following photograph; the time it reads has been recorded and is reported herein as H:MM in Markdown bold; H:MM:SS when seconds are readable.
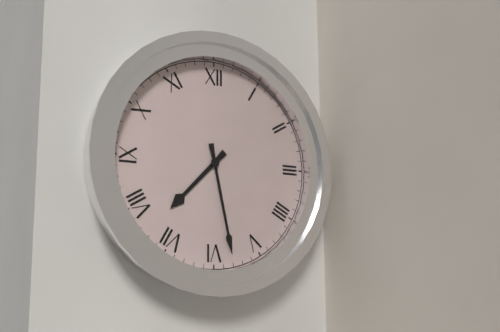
**7:28**
